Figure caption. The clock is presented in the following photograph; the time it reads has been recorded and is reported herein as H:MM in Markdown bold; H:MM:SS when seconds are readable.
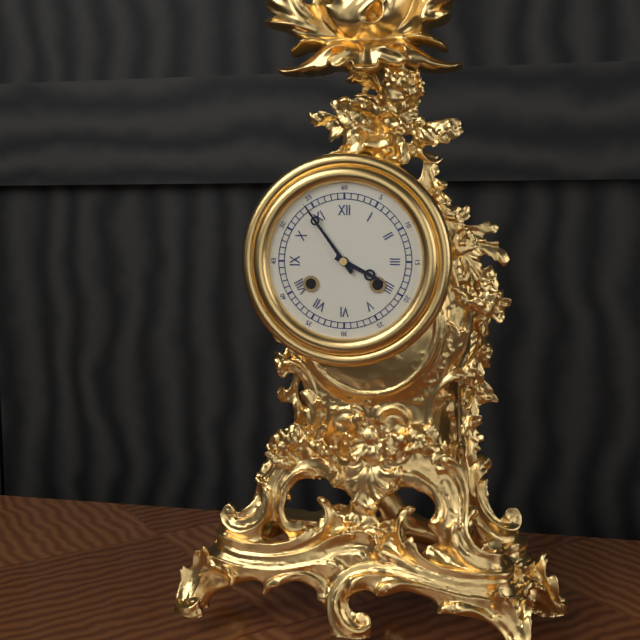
**3:54**
